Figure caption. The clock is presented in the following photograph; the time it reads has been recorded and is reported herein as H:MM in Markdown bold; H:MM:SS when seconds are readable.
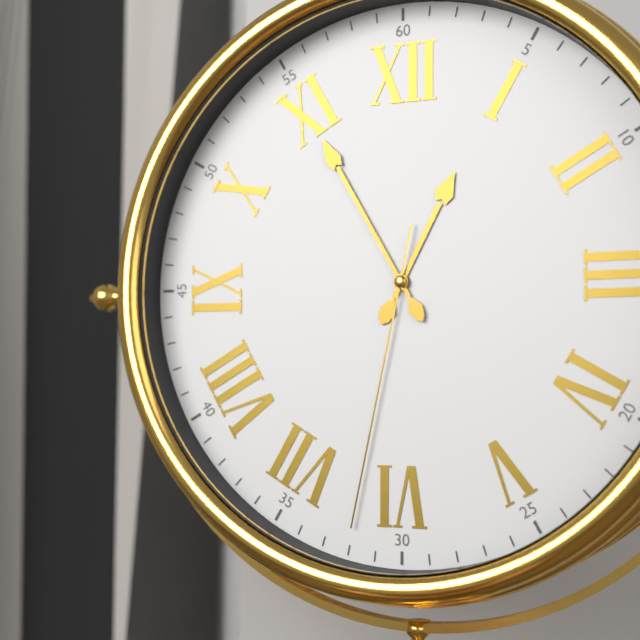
**12:55:32**
